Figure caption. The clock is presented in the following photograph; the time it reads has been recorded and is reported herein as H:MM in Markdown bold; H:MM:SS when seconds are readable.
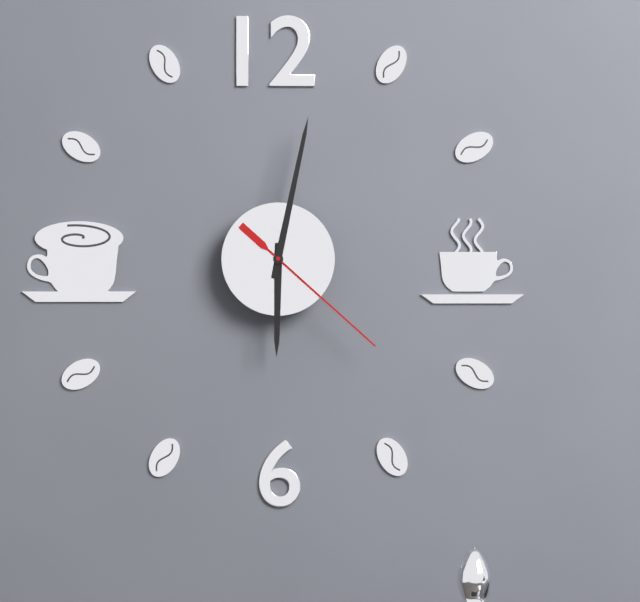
**6:02:22**
